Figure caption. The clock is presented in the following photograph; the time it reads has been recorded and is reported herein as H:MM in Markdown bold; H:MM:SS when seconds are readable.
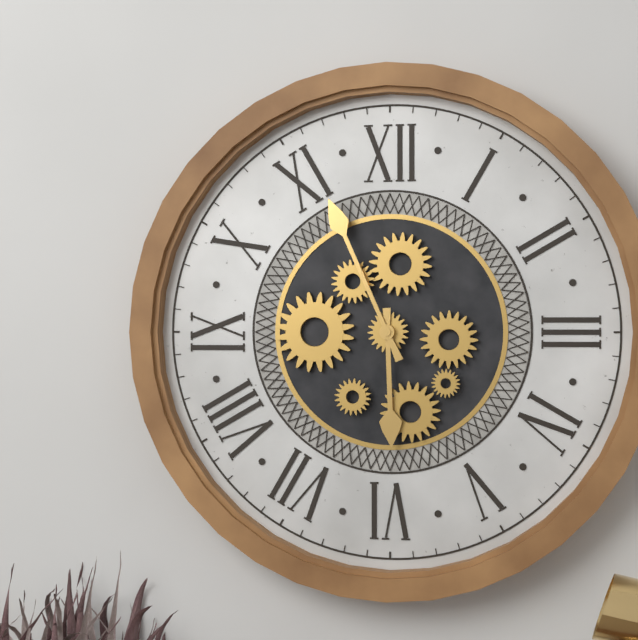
**5:56**
